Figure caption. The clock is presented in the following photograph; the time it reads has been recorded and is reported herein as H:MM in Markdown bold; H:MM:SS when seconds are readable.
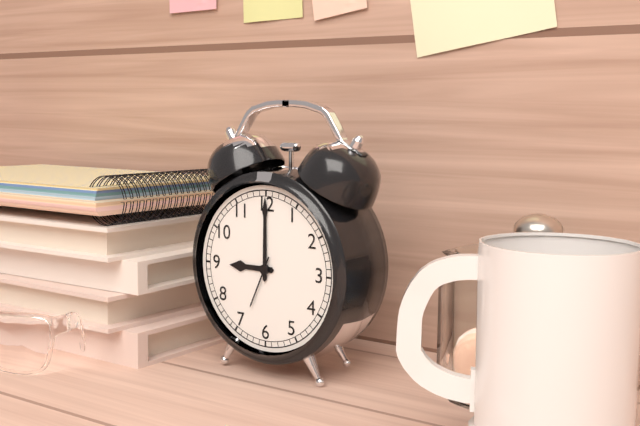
**9:00:34**
